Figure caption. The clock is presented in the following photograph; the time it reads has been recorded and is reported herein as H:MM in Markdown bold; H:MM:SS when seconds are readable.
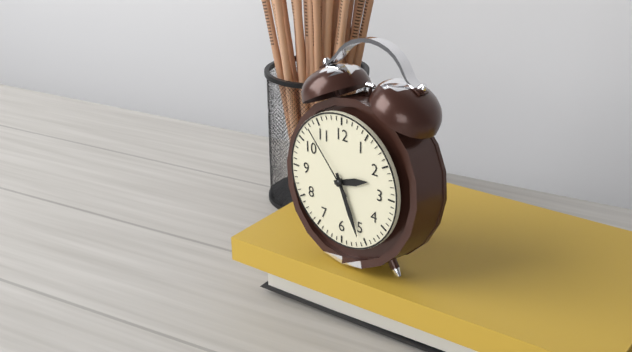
**2:26:53**
